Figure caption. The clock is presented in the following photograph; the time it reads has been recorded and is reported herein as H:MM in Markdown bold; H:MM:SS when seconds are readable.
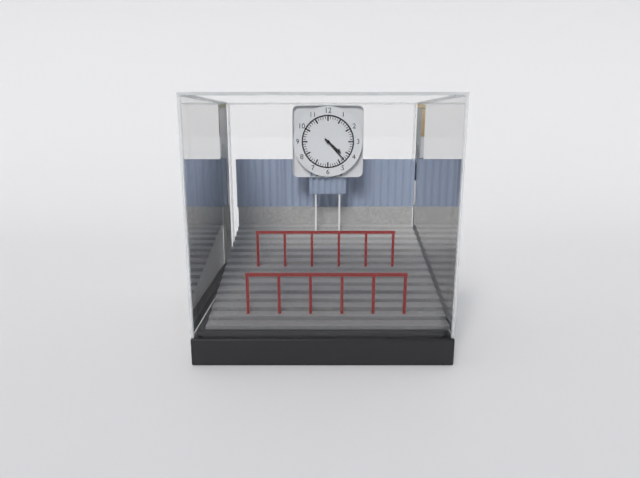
**4:23**
